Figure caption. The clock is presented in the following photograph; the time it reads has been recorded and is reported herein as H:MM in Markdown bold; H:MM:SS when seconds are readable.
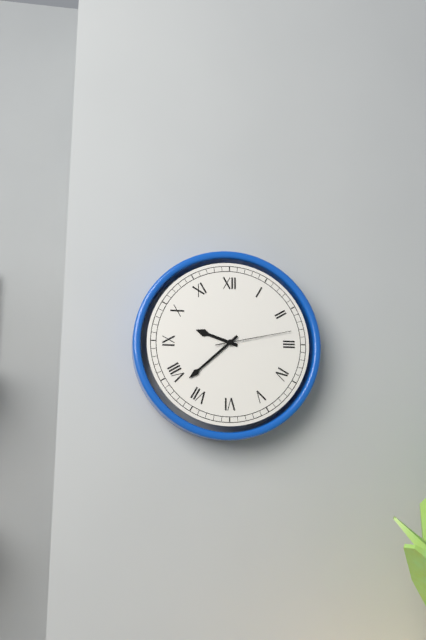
**9:38:13**
